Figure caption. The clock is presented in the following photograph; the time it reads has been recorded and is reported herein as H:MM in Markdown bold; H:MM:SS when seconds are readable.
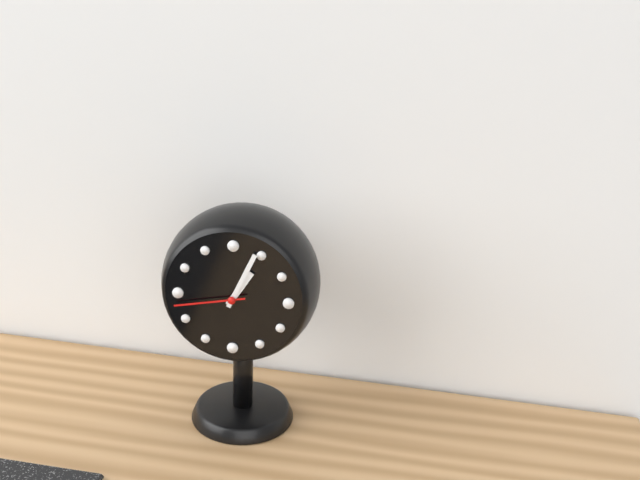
**1:04:43**
